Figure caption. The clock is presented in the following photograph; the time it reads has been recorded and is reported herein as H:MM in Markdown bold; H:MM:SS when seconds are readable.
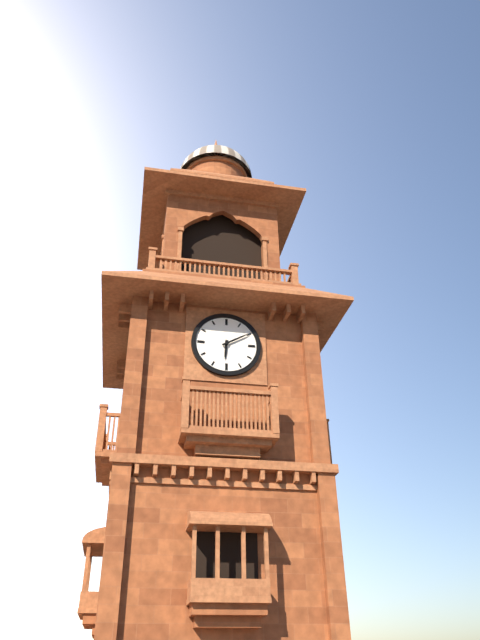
**6:10**
